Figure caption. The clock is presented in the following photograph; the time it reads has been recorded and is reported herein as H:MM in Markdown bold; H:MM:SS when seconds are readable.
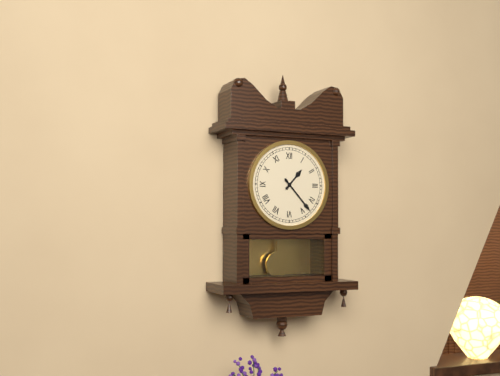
**1:23**
